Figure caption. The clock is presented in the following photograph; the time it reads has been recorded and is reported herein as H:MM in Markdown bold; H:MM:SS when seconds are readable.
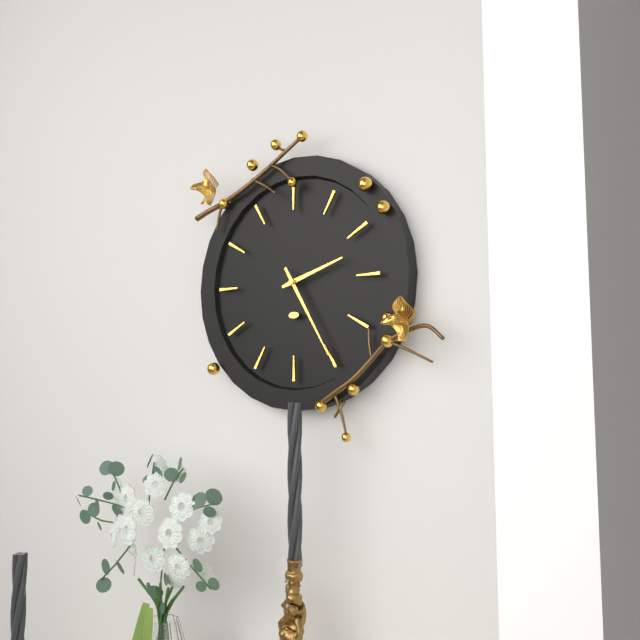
**2:25**
